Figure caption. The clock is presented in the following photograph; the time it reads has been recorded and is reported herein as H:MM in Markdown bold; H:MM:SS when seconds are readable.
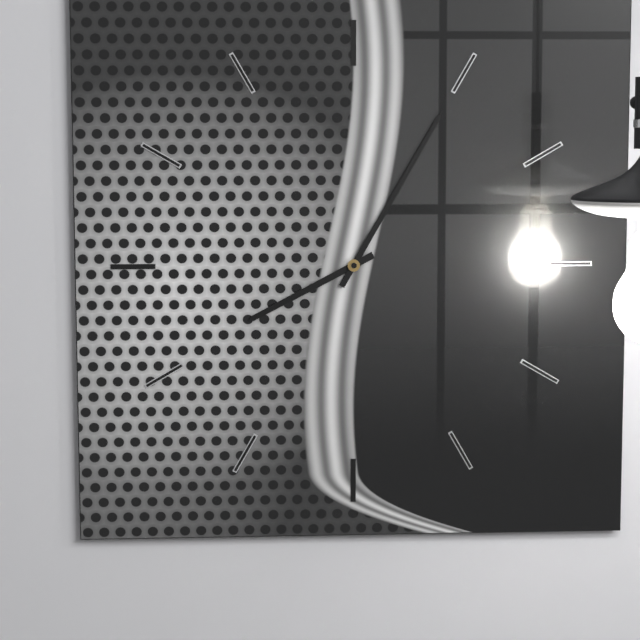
**8:05**
